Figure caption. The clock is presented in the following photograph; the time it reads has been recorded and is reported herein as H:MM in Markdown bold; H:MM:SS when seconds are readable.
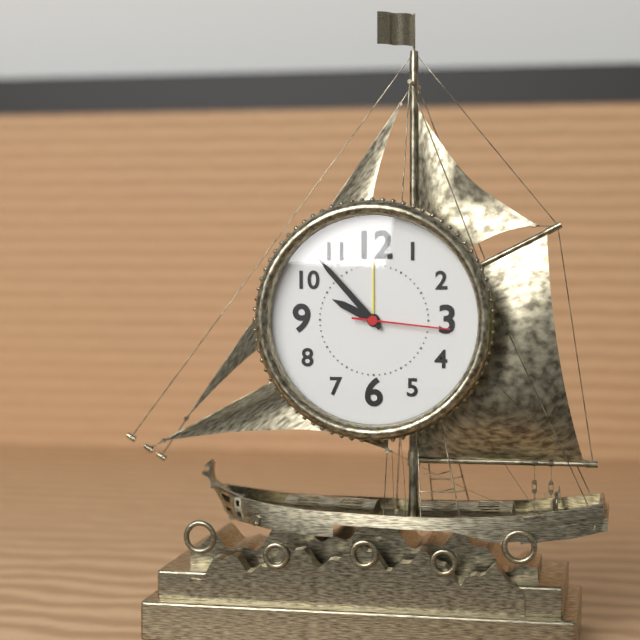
**9:53:16**
